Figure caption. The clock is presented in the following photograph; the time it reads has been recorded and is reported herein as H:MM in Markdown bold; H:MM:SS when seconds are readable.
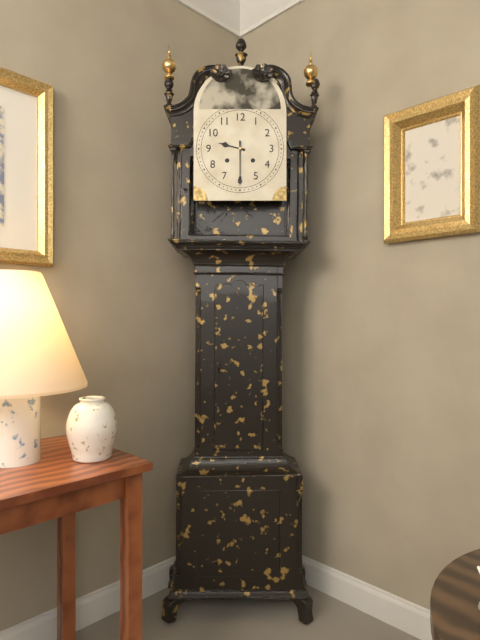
**9:30**
